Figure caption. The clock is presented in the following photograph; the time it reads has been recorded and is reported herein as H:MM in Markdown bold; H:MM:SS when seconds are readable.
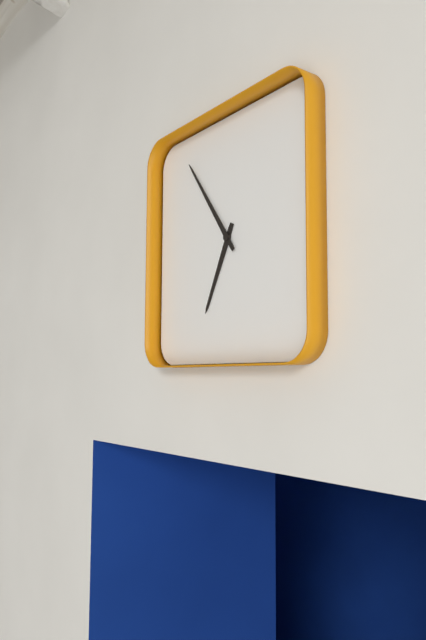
**6:54**
